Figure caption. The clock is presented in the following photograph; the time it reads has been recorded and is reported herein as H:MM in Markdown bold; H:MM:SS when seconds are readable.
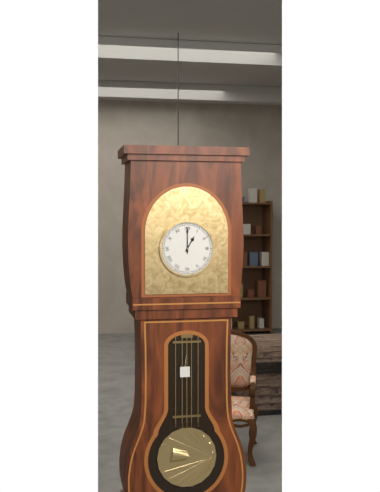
**1:00**
